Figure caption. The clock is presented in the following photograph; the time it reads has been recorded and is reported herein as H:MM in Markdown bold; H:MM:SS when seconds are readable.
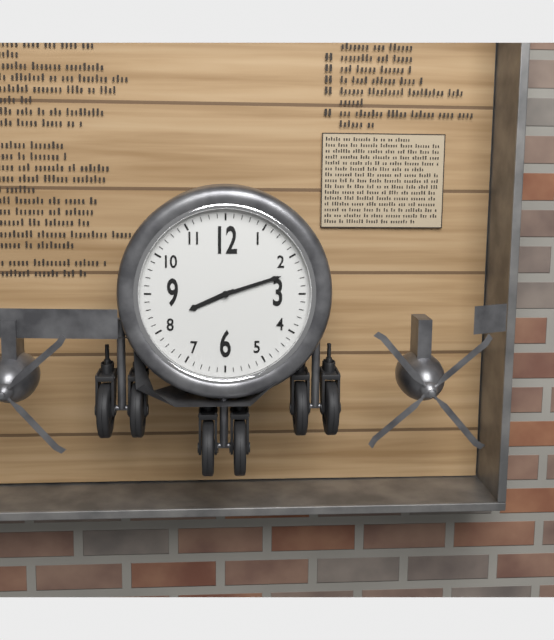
**8:12**
